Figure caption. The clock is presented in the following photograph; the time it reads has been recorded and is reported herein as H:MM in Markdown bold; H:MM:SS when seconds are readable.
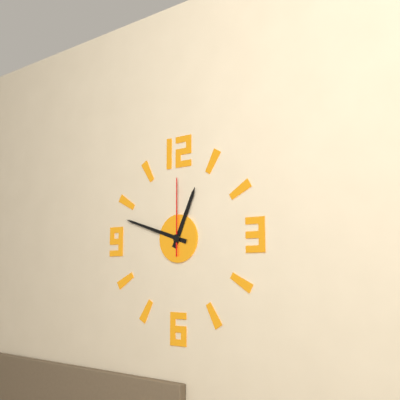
**12:48:00**
